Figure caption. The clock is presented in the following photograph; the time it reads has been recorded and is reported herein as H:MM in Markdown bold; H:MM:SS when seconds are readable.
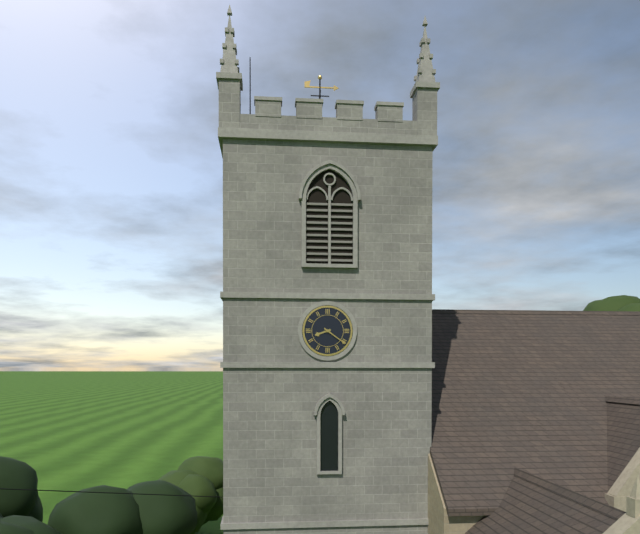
**8:21**
